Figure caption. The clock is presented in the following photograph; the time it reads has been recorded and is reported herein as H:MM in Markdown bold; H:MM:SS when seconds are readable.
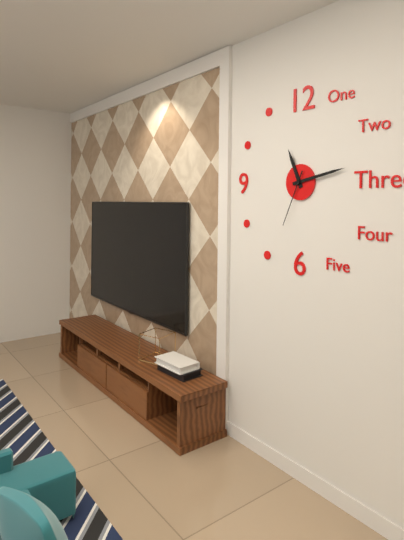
**11:13:34**
